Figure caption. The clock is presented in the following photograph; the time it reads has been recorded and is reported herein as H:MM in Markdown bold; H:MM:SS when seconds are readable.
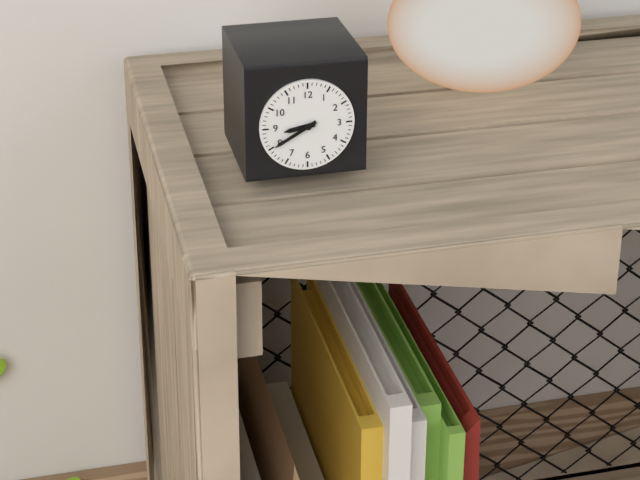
**8:40**
